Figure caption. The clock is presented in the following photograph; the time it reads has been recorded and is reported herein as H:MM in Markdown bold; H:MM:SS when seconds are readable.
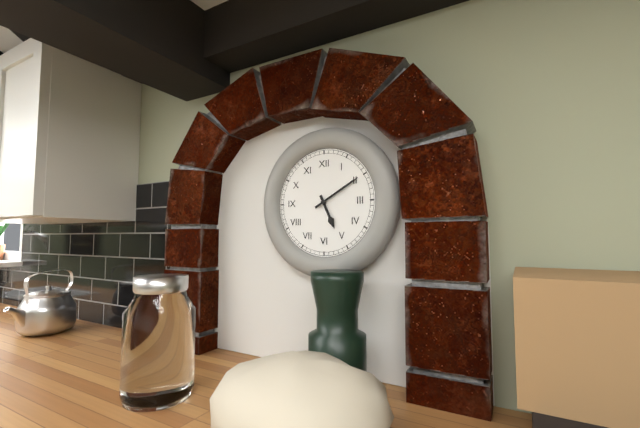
**5:10**
